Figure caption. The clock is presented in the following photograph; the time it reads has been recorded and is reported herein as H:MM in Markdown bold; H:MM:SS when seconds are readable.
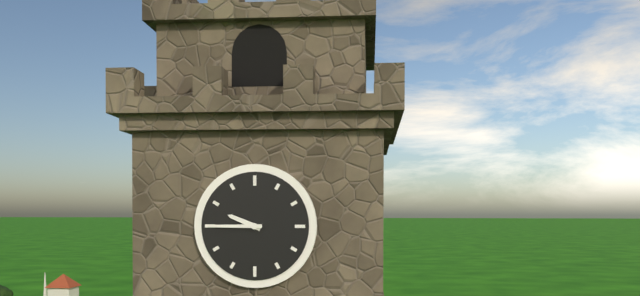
**9:45**
